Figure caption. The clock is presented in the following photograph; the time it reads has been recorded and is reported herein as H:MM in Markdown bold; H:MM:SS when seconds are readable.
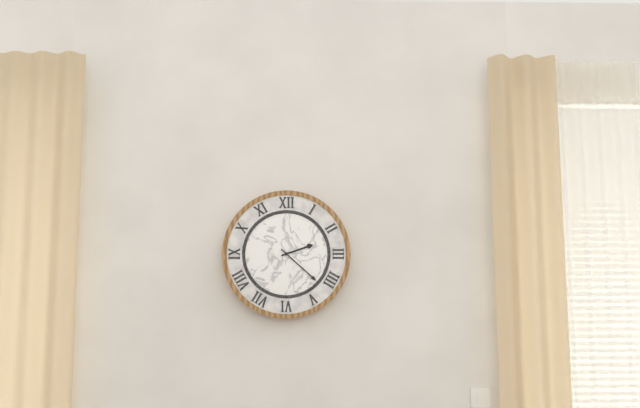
**2:22**
